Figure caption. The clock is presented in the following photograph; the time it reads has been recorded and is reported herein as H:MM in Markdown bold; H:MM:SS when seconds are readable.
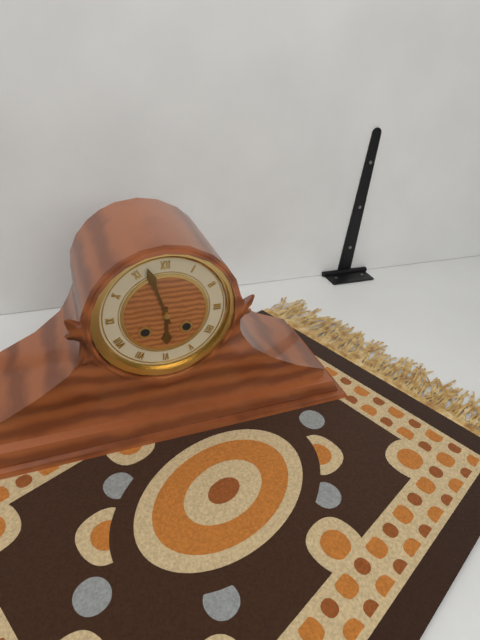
**5:57**
